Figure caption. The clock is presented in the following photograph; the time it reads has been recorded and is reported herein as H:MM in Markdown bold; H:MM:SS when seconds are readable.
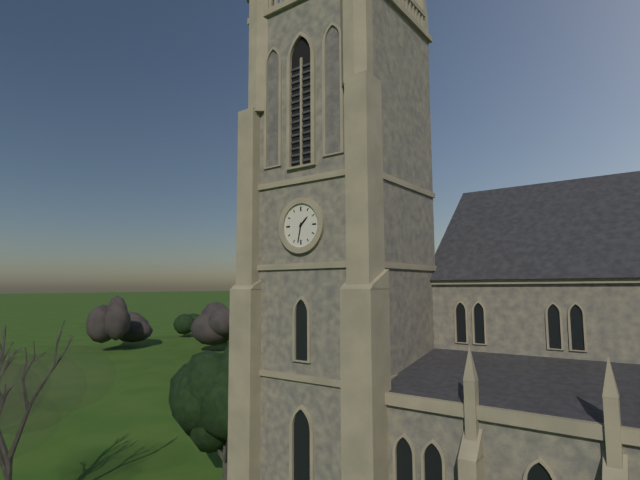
**1:32**
